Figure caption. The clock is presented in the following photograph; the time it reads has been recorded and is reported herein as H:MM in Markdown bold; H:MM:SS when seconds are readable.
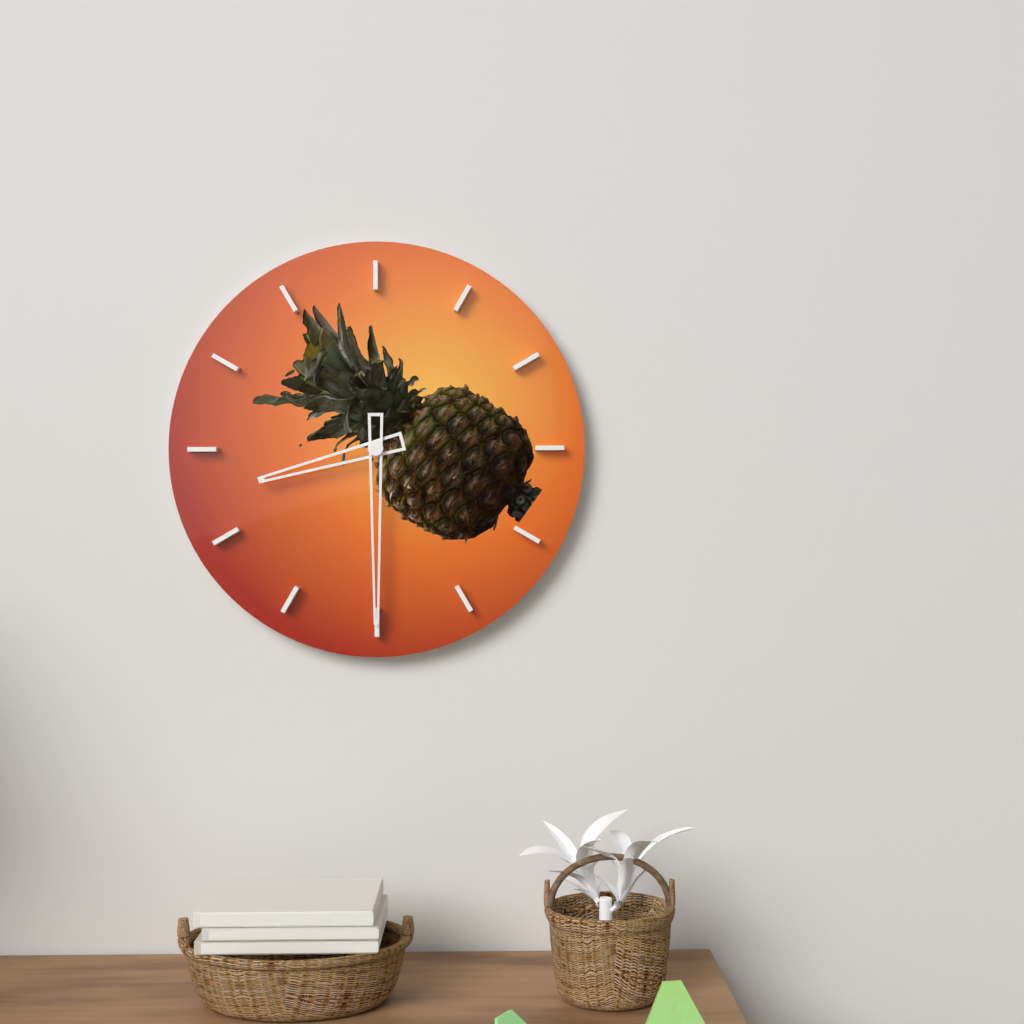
**8:30**
